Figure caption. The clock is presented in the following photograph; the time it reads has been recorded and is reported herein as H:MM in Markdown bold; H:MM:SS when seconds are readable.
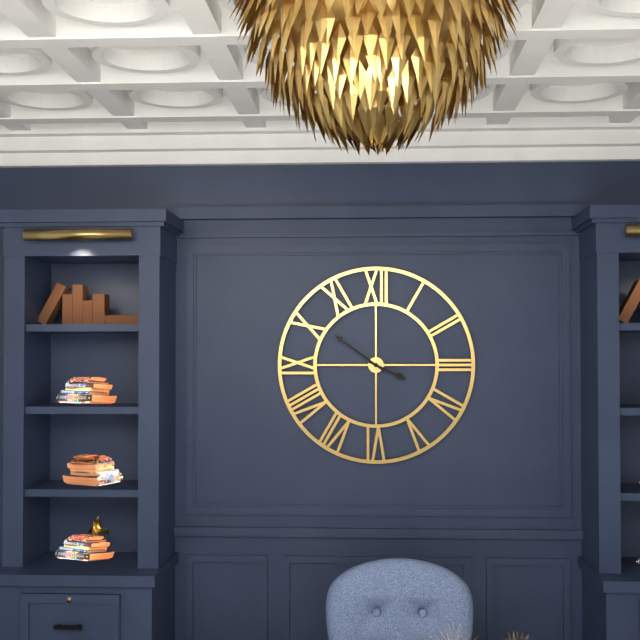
**3:51**
